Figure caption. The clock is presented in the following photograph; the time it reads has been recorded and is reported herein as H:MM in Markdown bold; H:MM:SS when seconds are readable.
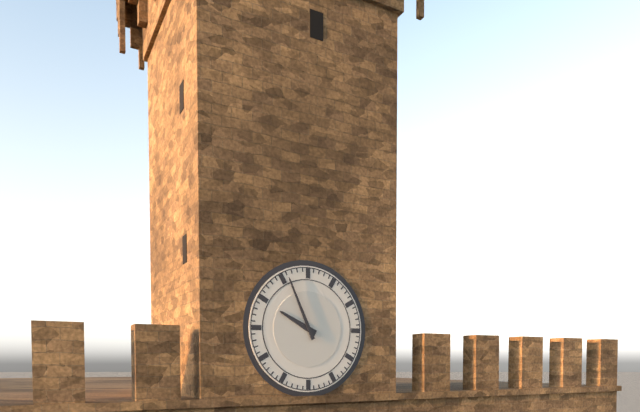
**9:56**
